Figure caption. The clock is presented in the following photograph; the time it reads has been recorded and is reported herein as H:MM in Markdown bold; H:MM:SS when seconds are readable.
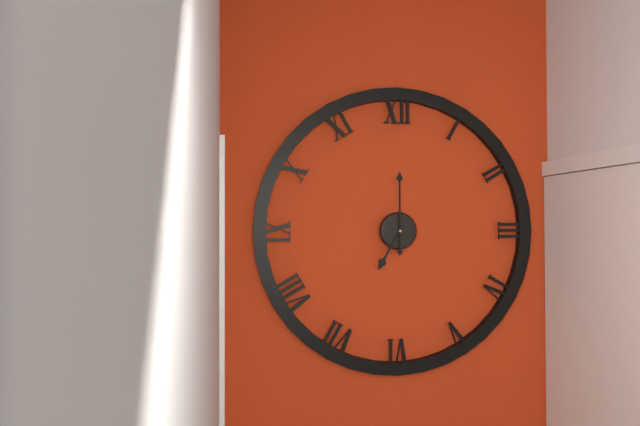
**7:00**
